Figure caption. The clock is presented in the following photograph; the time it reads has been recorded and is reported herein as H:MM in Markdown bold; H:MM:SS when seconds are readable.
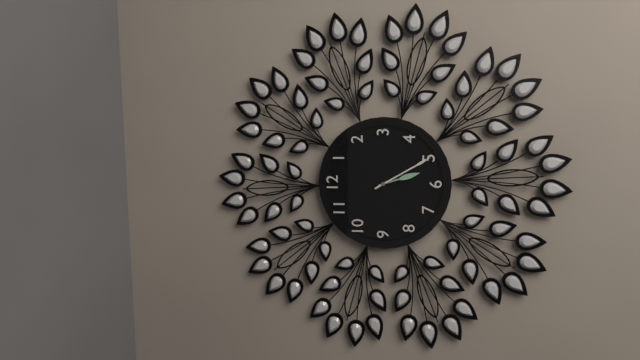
**5:25**
